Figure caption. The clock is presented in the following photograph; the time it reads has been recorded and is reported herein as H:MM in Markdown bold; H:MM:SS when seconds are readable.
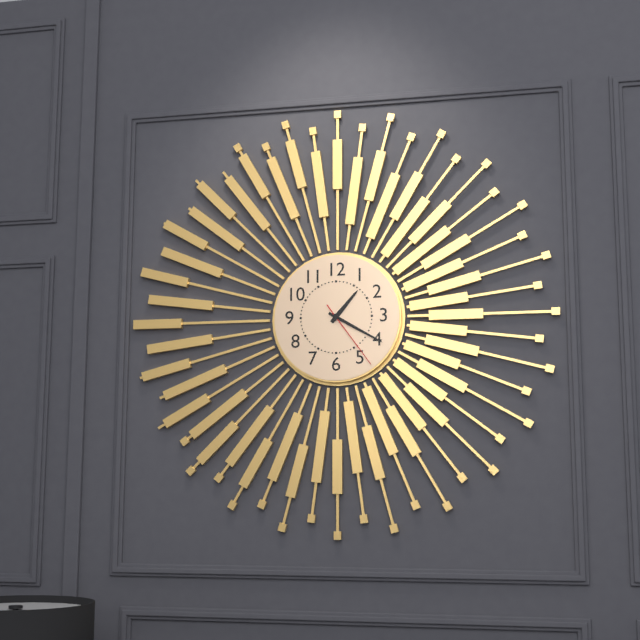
**1:20:24**
